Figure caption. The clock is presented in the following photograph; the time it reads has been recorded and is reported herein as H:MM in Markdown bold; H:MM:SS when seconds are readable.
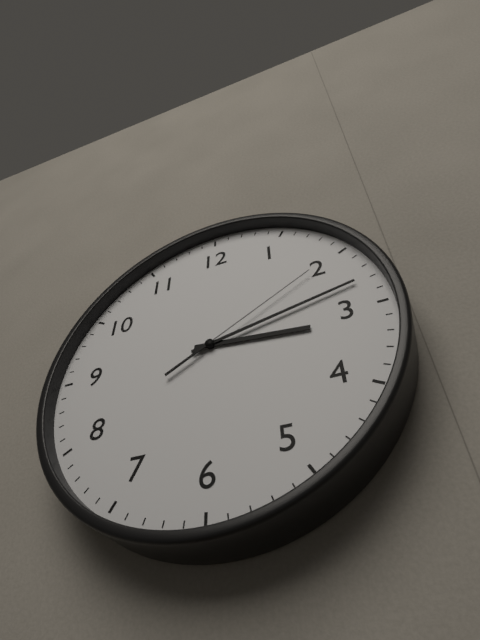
**3:13:10**
